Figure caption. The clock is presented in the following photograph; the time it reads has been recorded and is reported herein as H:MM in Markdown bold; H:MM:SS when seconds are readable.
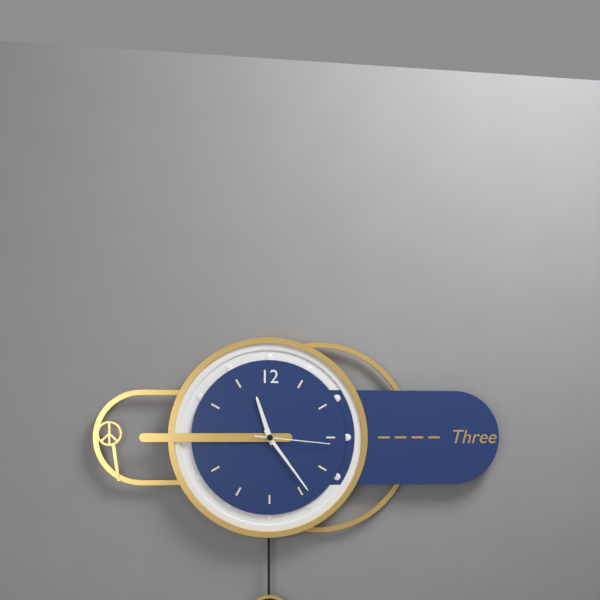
**11:24:16**
